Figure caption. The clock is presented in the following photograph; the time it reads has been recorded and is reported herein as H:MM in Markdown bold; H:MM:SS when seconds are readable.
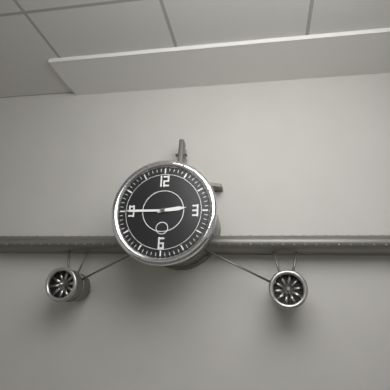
**2:45**
